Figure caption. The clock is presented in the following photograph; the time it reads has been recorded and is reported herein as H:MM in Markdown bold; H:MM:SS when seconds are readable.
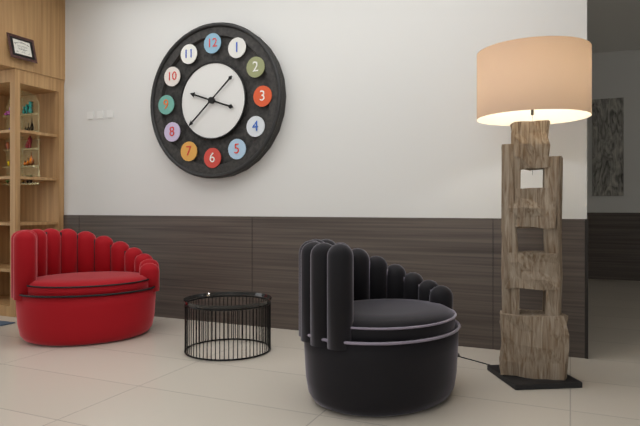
**9:38**
